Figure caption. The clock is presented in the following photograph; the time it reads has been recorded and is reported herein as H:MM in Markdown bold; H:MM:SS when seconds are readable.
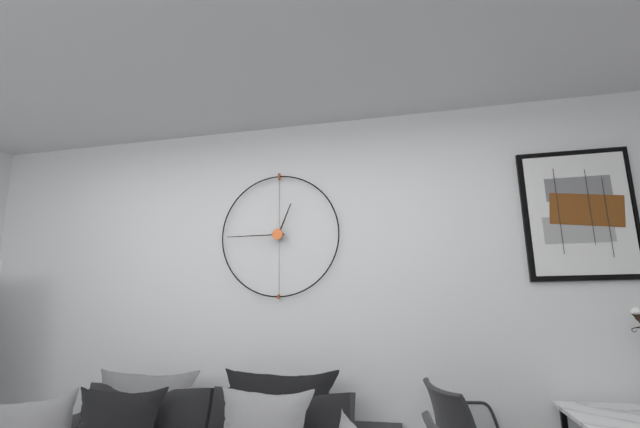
**12:45**
